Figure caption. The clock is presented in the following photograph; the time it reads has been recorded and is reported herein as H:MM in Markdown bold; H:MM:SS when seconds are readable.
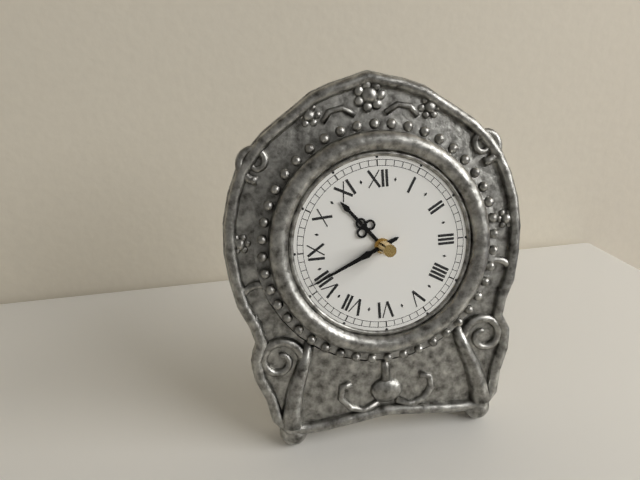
**10:41**
